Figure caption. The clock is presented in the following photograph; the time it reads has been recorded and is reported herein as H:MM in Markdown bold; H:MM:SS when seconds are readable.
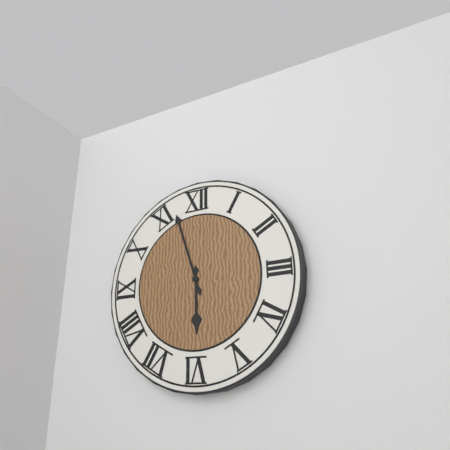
**5:57**
